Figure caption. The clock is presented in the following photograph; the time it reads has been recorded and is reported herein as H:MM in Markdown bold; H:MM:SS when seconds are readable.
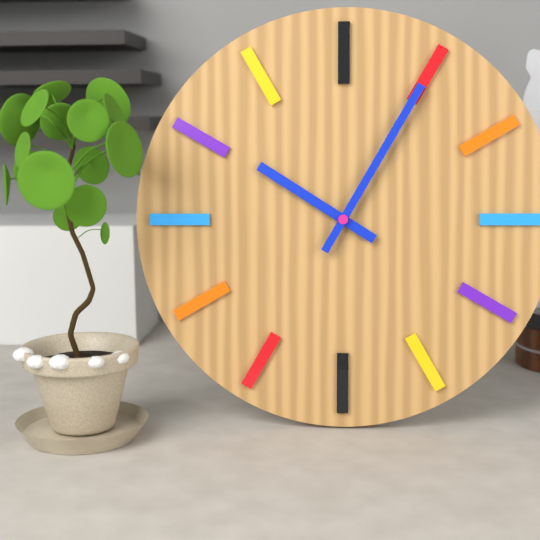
**10:05**
